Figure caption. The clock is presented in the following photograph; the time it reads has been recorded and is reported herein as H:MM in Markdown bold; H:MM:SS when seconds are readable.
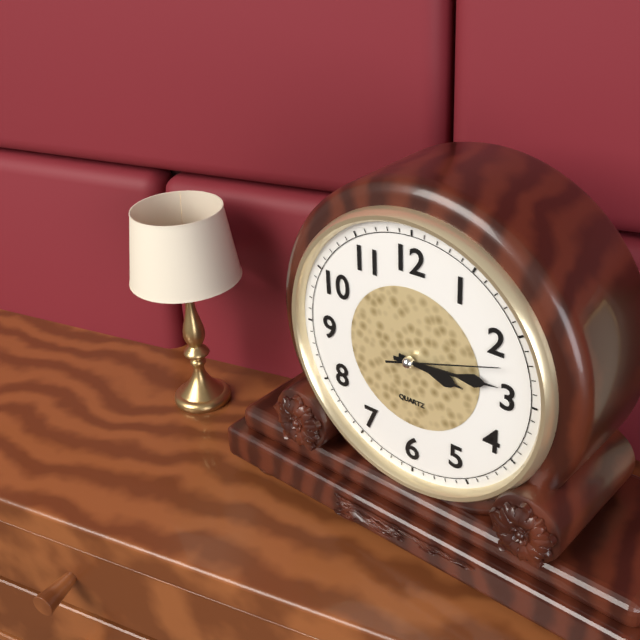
**3:14:12**
